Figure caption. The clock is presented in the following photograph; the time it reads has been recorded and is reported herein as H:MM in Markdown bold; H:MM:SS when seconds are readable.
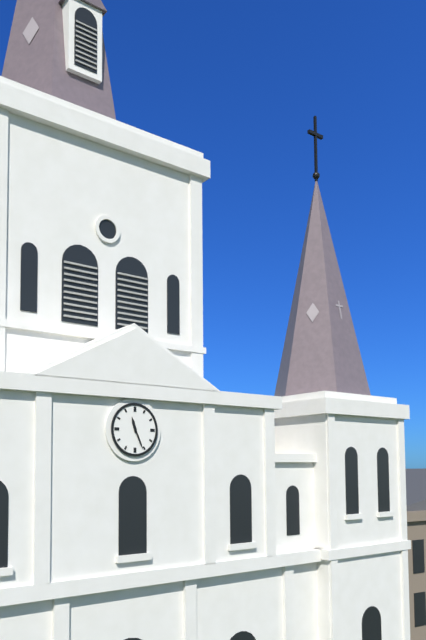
**11:26**
